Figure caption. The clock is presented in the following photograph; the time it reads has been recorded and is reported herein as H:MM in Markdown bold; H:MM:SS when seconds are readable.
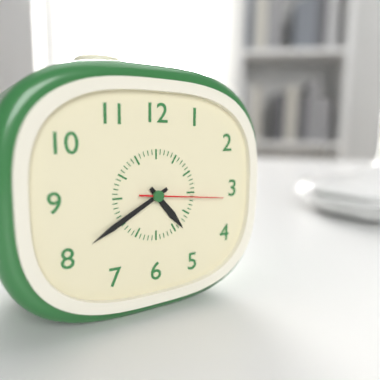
**4:40:16**
